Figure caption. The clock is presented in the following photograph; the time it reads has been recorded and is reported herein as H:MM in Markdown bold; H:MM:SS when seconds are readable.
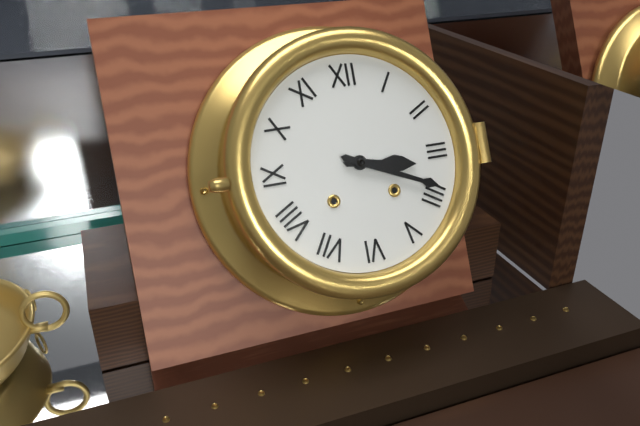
**3:19**
